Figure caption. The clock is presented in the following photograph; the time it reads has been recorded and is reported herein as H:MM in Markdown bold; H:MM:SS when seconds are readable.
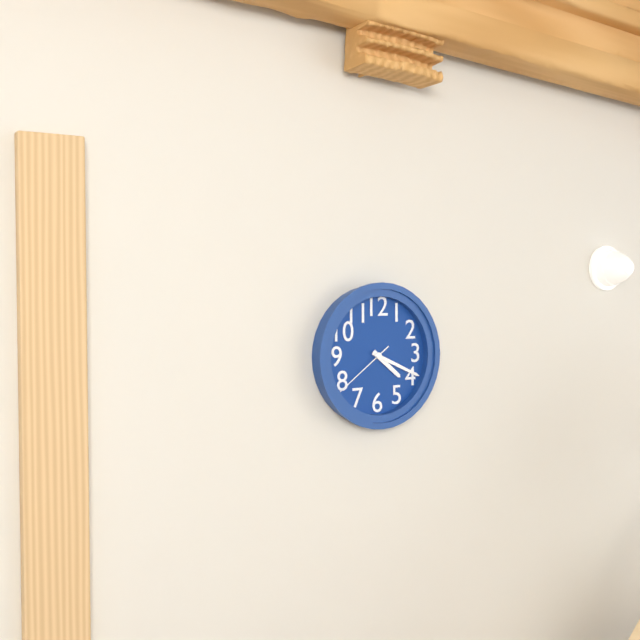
**4:19:39**
